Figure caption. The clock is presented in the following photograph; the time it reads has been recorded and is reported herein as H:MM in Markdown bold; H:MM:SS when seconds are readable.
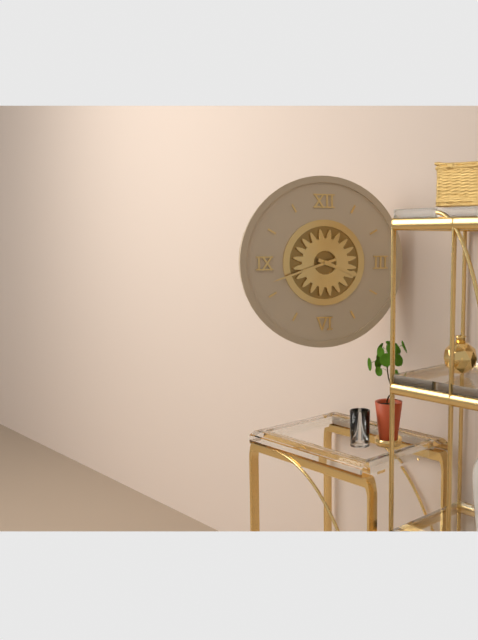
**3:42**
